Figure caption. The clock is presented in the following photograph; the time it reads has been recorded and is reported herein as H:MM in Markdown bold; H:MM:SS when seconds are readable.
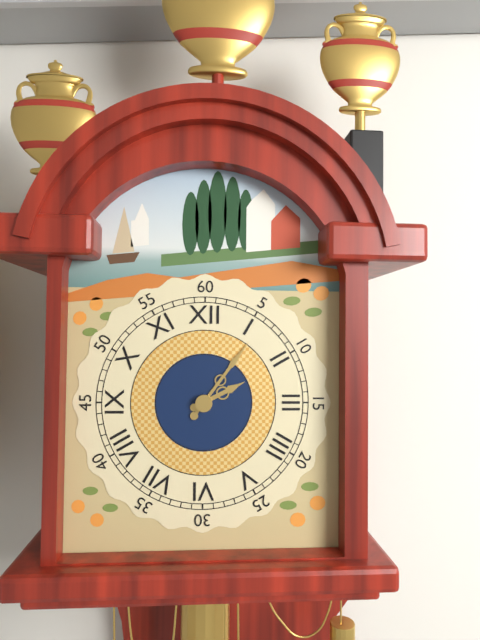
**2:06**
